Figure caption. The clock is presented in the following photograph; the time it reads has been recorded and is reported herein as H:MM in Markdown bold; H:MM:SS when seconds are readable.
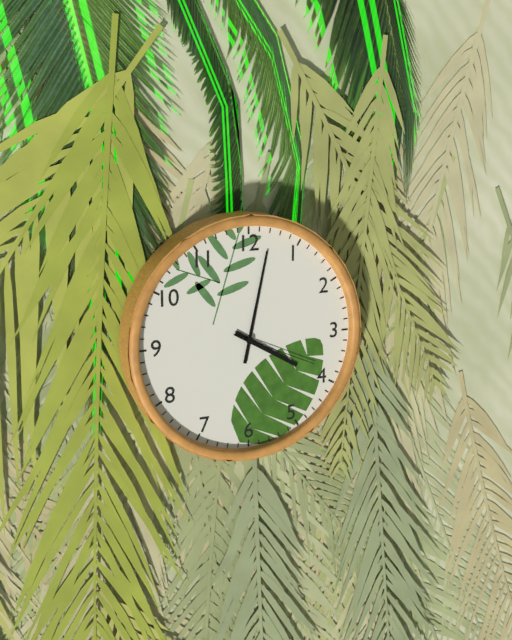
**4:02:19**
